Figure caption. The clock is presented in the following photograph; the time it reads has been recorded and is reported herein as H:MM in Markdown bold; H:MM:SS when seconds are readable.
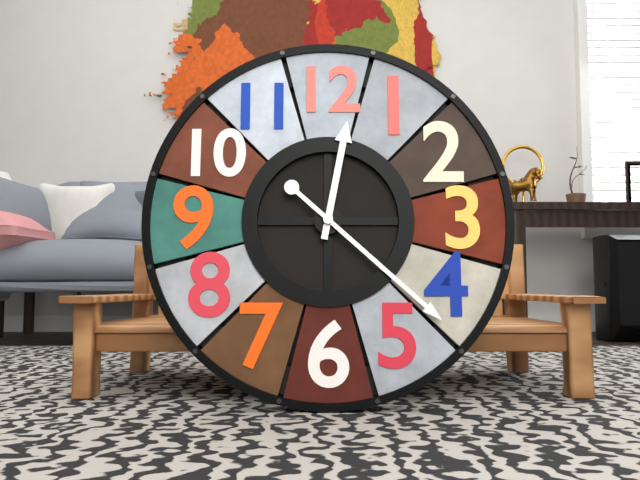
**12:22**
